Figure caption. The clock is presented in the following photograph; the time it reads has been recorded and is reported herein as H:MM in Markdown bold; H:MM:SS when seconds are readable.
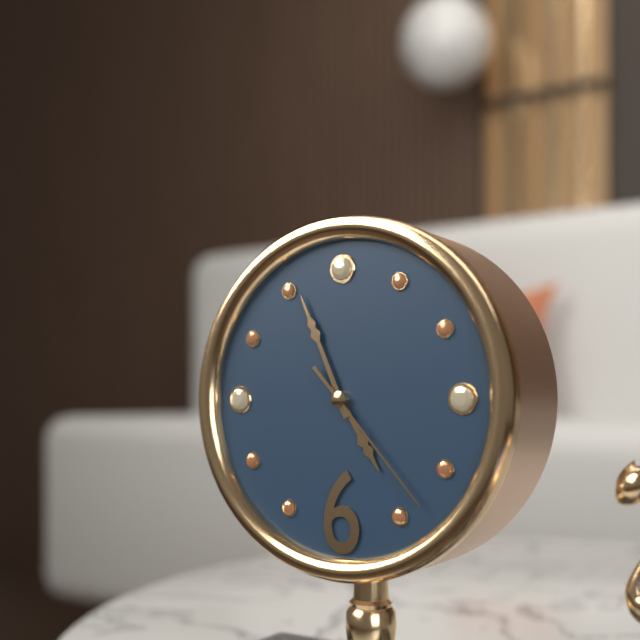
**4:56:23**
